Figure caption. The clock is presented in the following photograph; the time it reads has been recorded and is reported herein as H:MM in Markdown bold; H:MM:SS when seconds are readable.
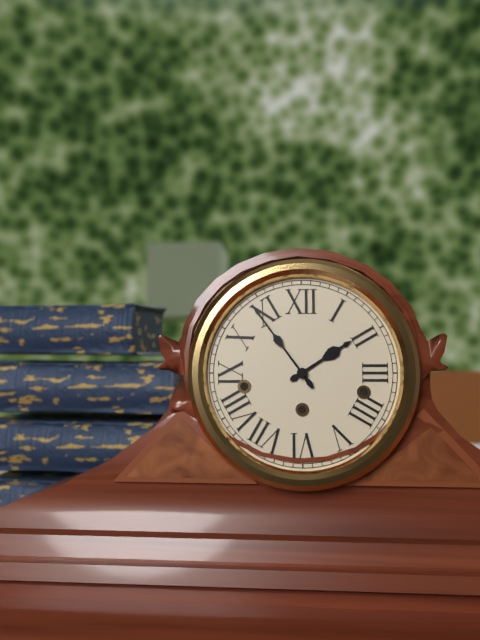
**1:54**
